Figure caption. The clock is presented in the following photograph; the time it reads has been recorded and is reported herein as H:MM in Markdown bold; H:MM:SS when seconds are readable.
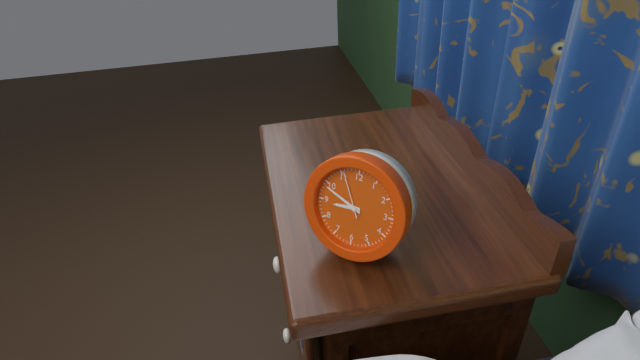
**8:49**
